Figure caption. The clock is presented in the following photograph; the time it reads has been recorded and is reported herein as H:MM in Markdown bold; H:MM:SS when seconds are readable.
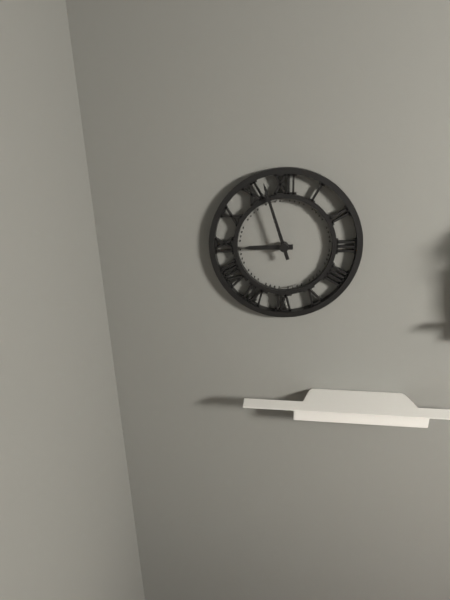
**8:57**
